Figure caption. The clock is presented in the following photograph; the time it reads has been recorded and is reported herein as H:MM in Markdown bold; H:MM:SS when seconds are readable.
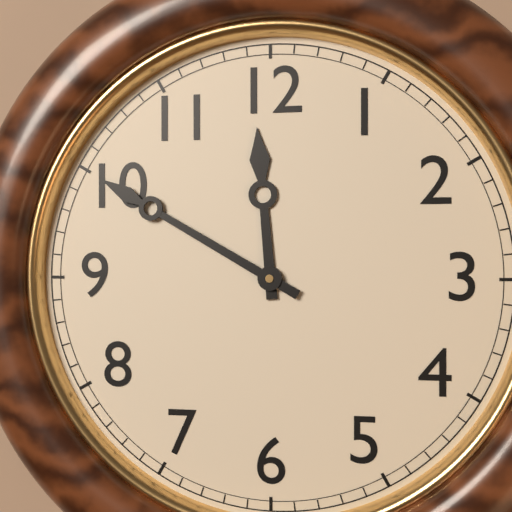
**11:50**
